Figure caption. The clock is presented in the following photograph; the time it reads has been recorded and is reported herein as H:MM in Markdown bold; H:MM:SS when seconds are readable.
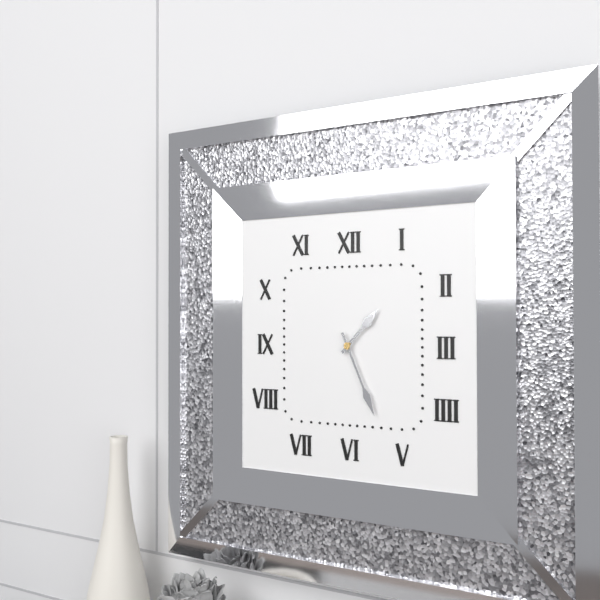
**1:26**
